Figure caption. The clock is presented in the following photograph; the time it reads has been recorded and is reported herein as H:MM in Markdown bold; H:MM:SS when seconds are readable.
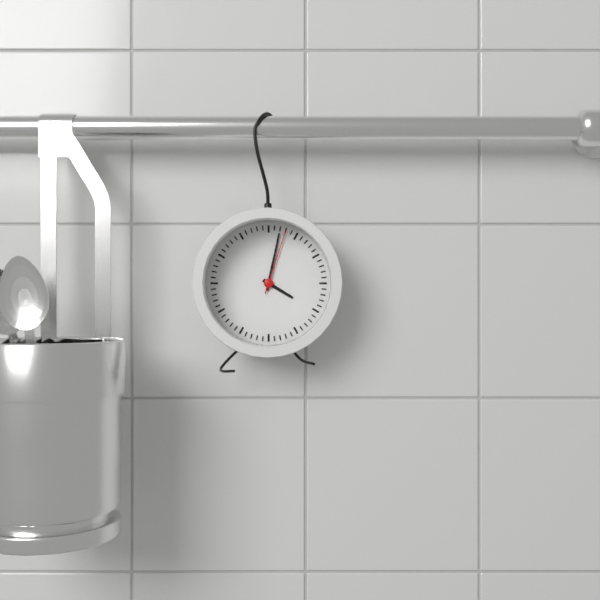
**4:02:03**
